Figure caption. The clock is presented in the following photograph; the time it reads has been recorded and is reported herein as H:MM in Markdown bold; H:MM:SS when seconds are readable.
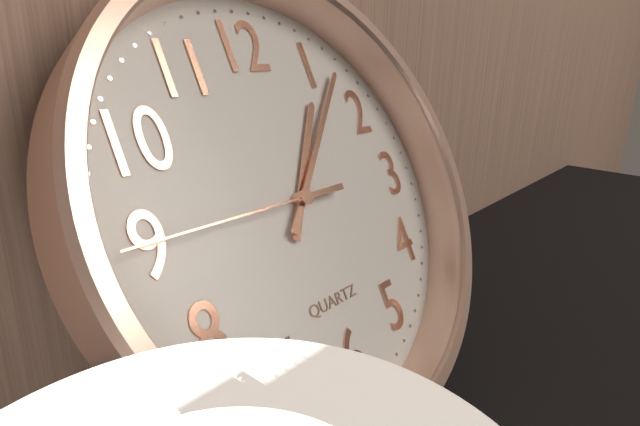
**1:07:45**
